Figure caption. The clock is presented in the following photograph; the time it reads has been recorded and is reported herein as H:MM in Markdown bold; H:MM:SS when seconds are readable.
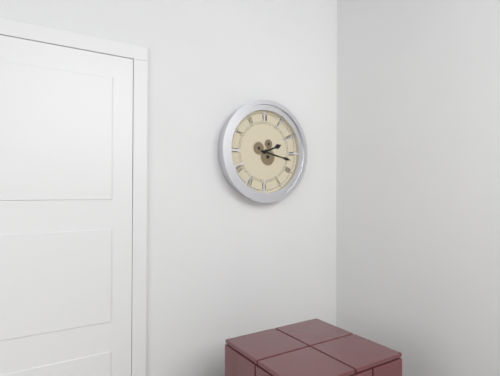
**2:17**
